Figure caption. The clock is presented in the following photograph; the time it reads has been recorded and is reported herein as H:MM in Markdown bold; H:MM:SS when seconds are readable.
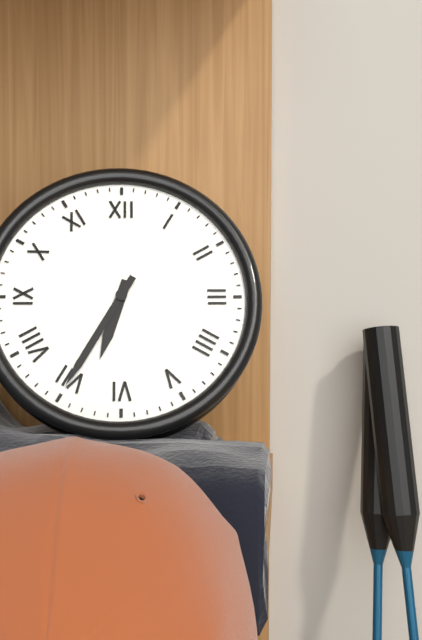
**6:35**
